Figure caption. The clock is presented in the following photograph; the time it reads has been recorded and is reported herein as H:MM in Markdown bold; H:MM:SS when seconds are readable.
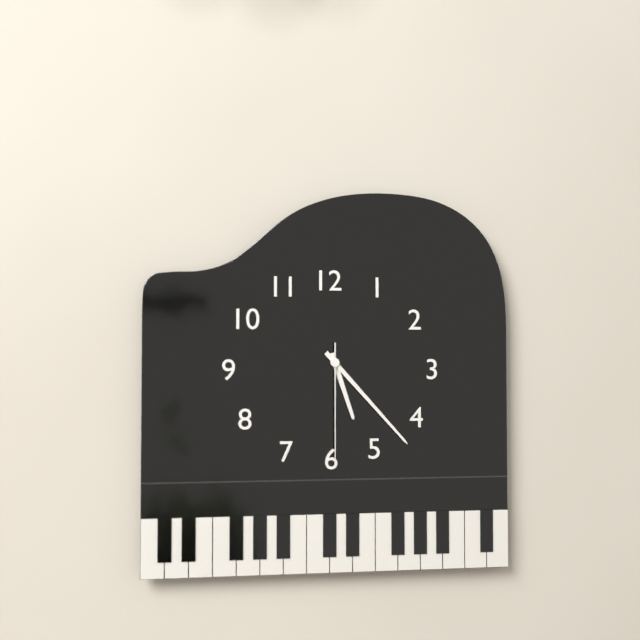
**5:23:30**
